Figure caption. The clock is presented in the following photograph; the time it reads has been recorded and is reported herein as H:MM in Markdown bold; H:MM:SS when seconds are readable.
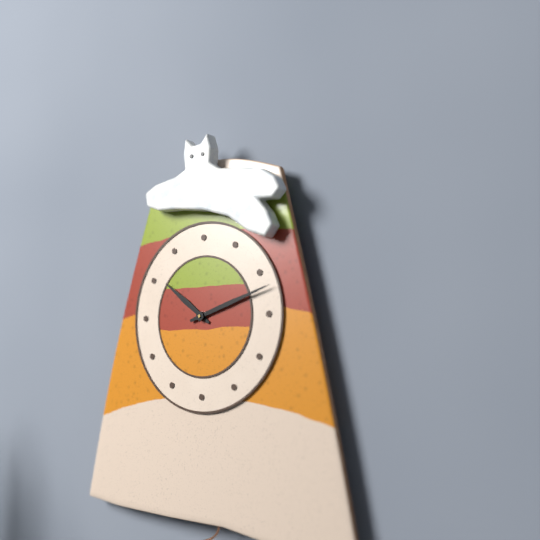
**10:12**
